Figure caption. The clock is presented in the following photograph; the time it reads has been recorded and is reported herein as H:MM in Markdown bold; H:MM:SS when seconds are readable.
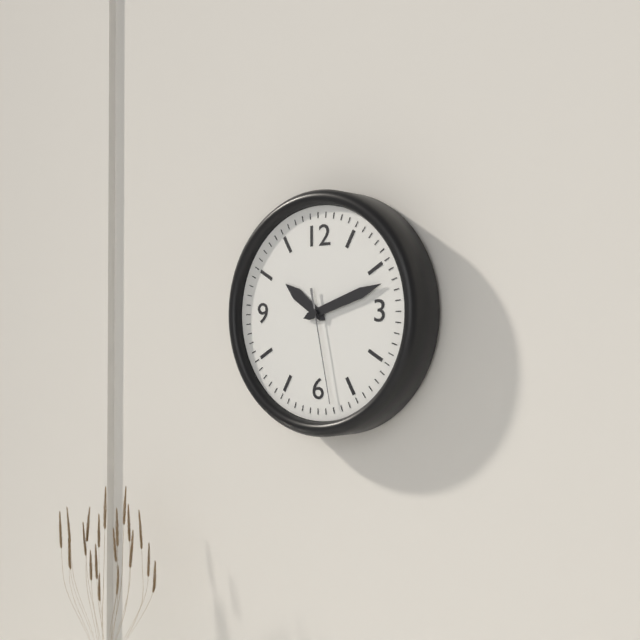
**10:12:28**
